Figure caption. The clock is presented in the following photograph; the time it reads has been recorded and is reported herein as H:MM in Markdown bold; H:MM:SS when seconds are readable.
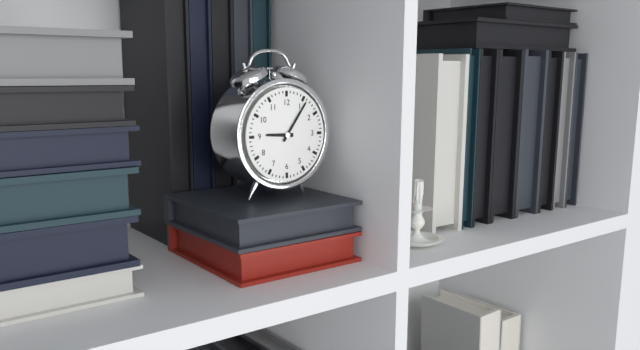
**9:06**
